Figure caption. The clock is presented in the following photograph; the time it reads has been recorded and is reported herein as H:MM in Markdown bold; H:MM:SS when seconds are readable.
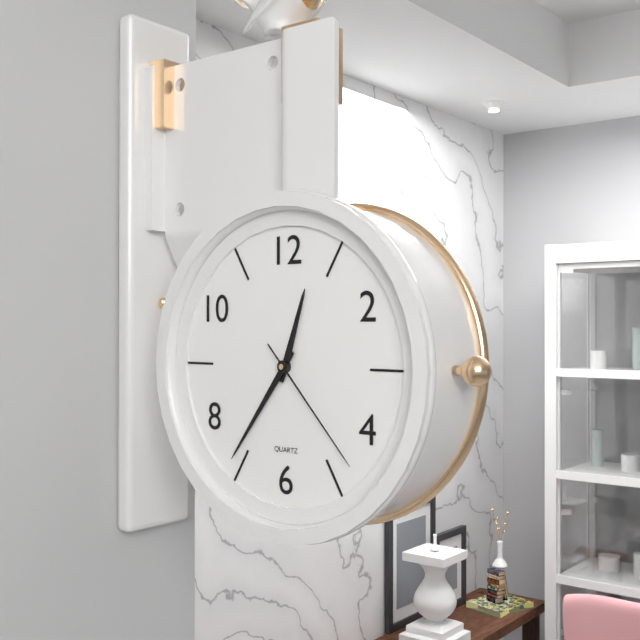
**12:36:23**
